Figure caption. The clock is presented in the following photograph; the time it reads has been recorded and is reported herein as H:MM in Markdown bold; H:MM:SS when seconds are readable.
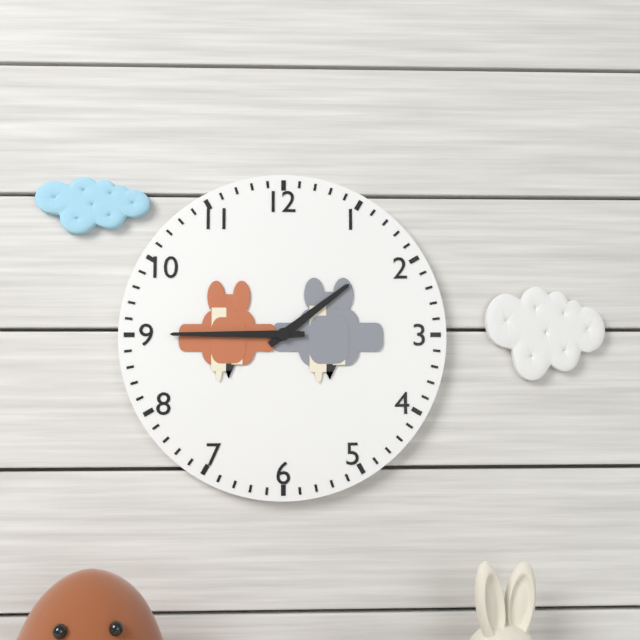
**1:45**
